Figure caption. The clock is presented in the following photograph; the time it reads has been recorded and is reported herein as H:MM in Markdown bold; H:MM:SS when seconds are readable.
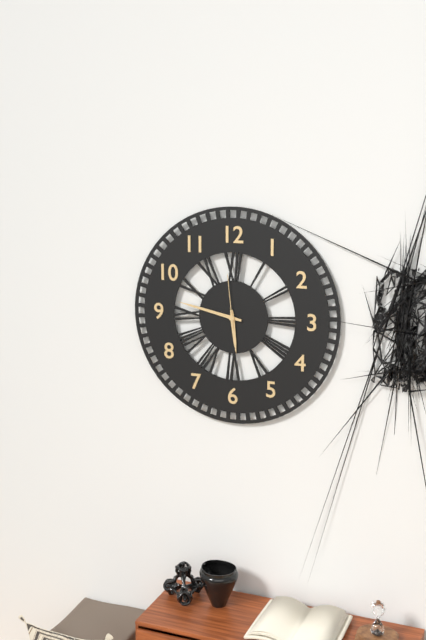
**5:47:59**
